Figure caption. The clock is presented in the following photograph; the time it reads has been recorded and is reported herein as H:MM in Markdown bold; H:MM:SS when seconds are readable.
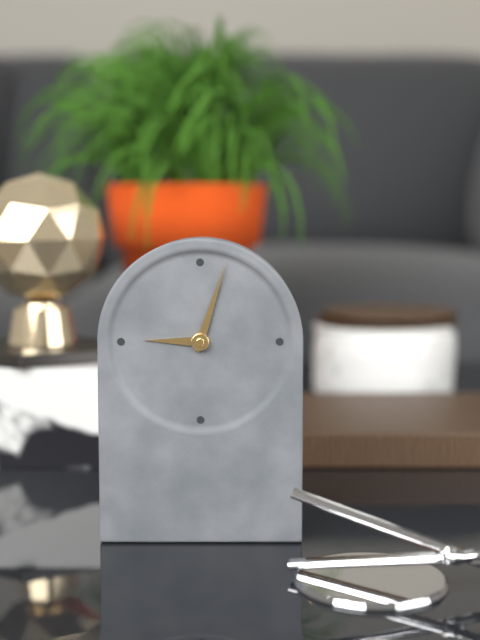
**9:03**
